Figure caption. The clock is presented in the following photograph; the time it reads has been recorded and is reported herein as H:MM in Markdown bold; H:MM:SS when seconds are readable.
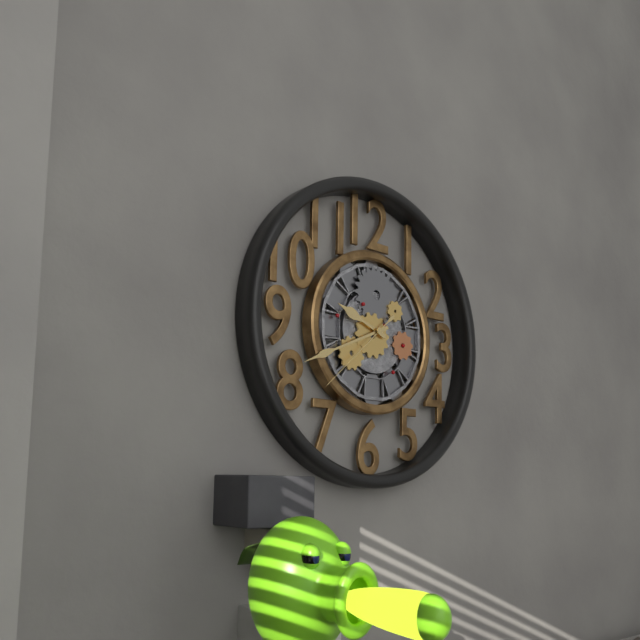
**9:41:38**
